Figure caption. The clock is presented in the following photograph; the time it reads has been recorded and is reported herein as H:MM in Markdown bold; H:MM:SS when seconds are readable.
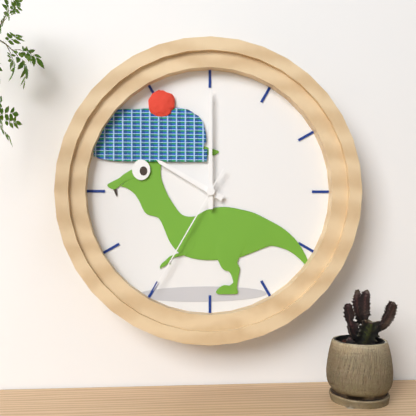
**10:00:35**
